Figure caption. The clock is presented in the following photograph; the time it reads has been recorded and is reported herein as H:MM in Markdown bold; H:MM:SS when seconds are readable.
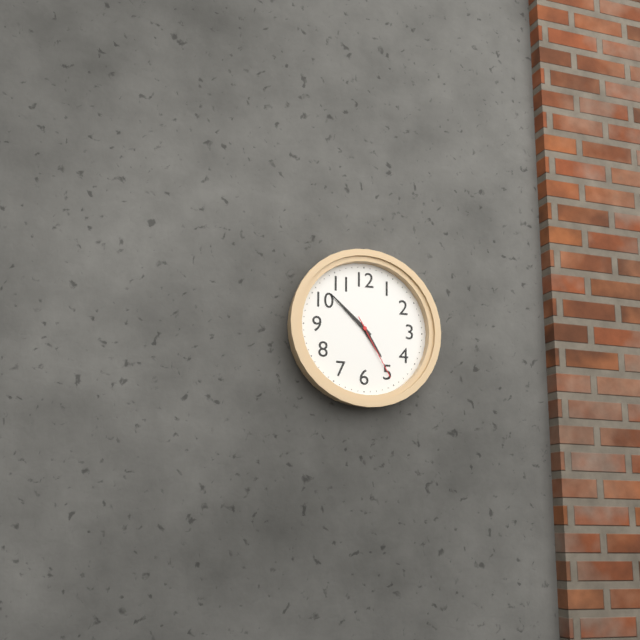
**4:52:25**
